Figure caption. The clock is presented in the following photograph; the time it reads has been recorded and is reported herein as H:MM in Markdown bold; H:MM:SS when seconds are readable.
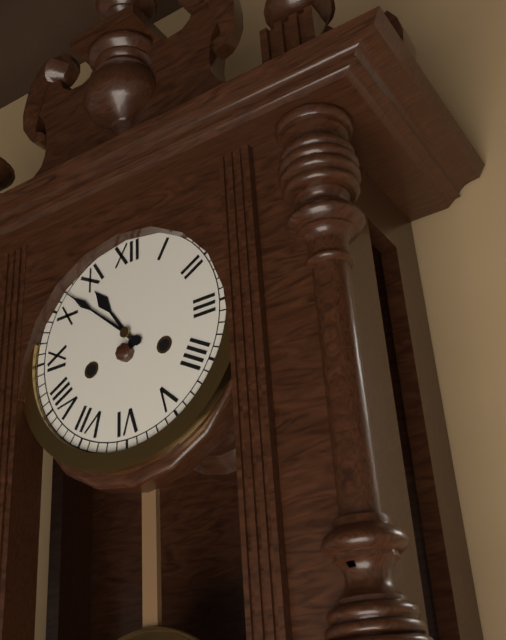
**10:52**
